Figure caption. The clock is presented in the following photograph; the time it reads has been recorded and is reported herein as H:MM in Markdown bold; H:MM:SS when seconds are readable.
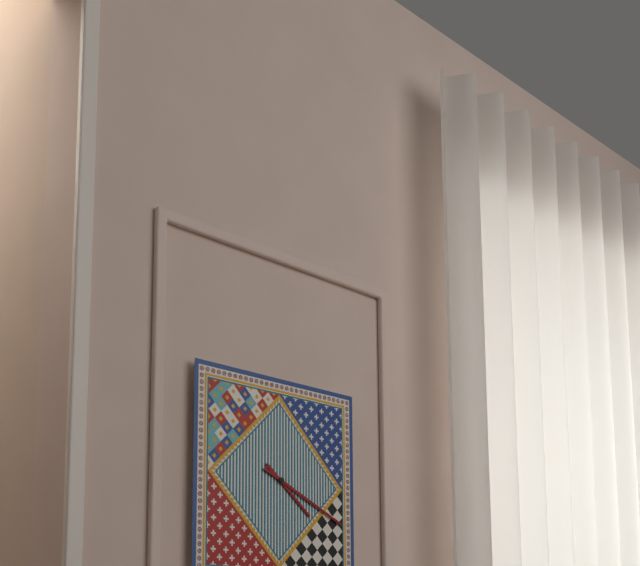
**4:19**
